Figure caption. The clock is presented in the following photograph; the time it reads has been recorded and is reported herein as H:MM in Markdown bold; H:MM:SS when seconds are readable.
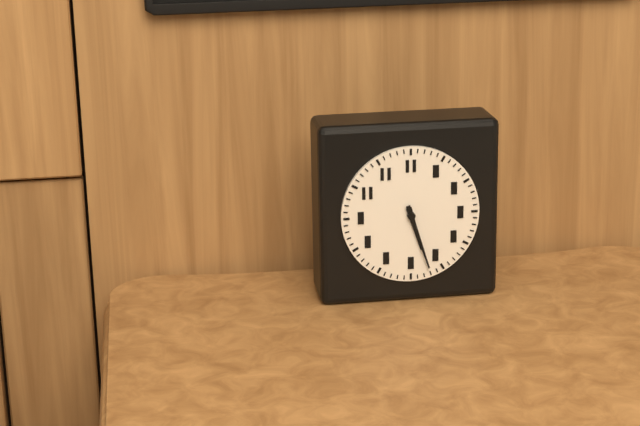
**5:27**
